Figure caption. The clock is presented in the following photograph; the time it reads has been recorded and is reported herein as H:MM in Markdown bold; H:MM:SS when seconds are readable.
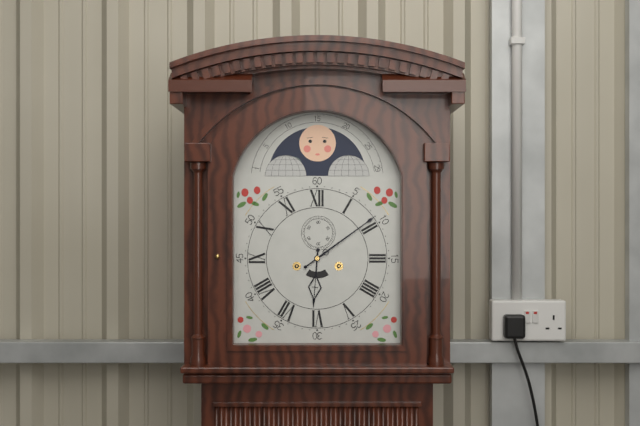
**6:09**
